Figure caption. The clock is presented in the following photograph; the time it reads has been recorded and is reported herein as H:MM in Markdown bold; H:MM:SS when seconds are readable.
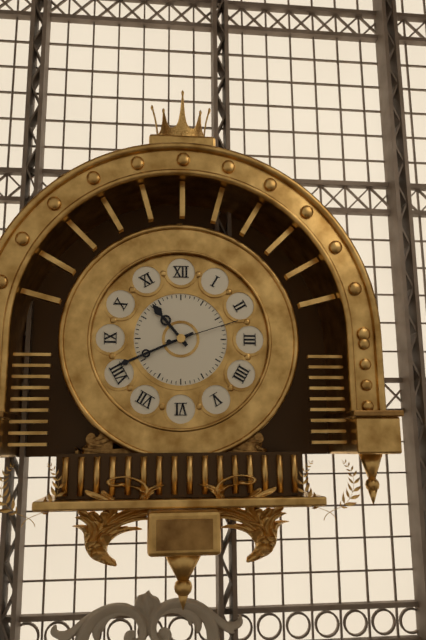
**10:41:12**
